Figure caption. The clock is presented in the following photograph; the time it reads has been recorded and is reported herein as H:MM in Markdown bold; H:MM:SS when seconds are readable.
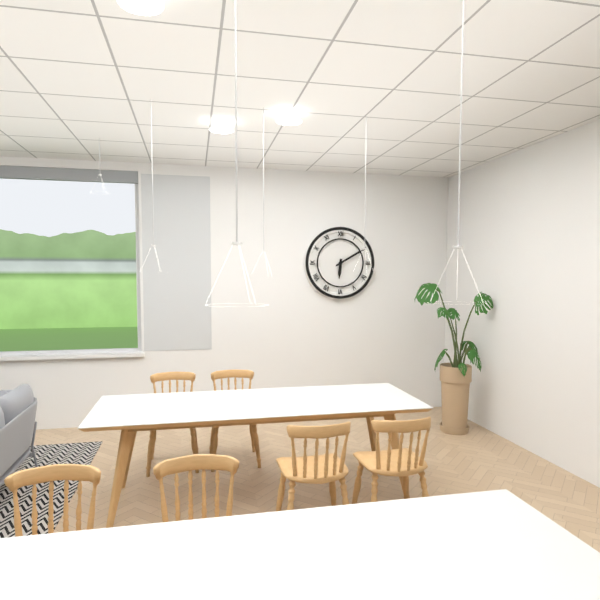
**6:10**
